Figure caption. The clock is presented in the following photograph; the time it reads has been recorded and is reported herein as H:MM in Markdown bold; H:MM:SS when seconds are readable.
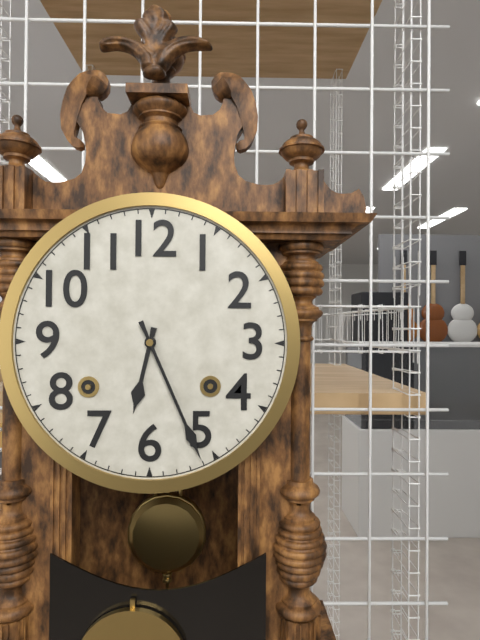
**6:26**
